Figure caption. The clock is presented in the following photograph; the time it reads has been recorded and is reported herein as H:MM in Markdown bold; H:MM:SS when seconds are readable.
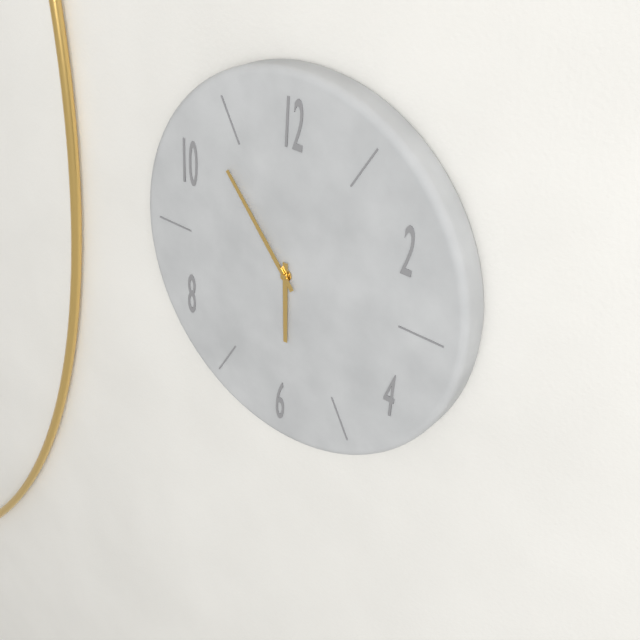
**5:53**
